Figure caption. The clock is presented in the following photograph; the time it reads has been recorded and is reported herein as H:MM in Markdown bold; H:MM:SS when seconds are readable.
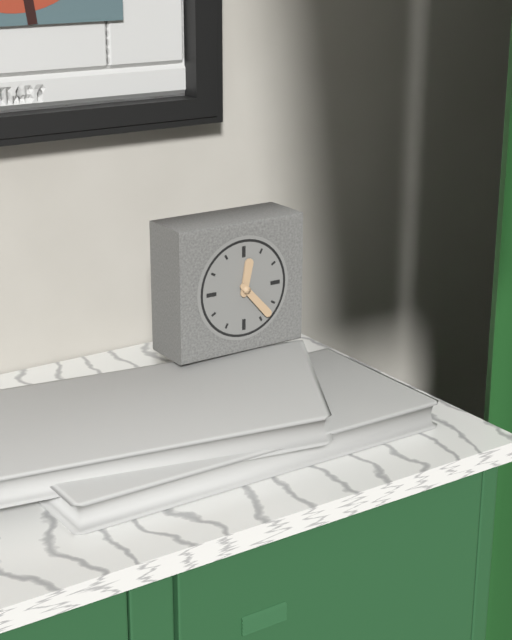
**12:23**
